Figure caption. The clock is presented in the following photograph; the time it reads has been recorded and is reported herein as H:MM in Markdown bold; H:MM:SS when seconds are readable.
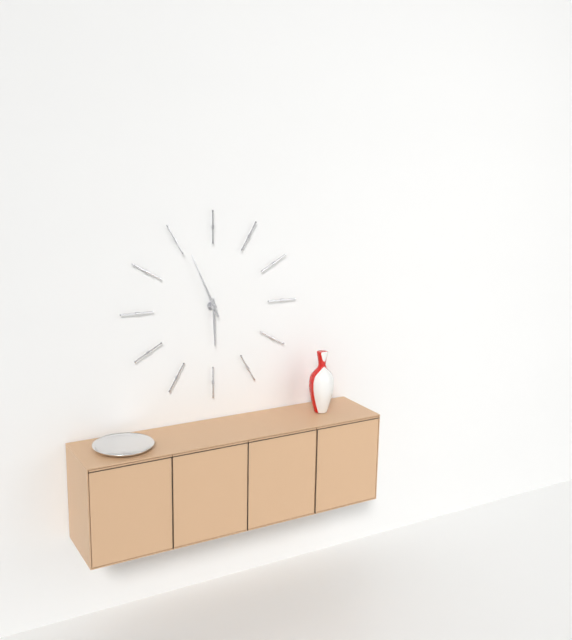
**5:56**
